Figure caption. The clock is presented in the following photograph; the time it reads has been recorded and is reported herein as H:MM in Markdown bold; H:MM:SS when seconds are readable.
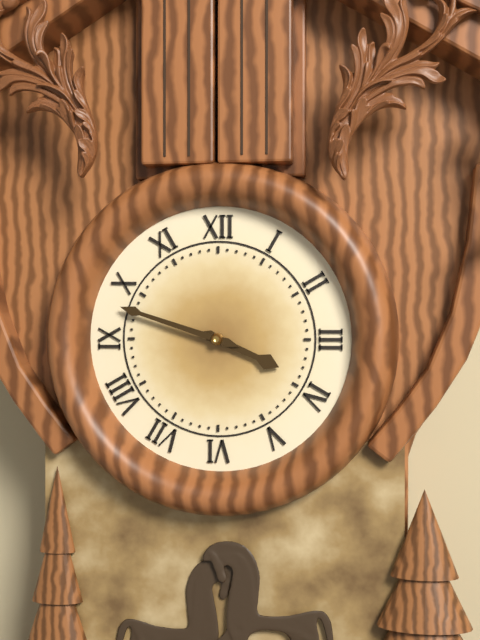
**3:48**
